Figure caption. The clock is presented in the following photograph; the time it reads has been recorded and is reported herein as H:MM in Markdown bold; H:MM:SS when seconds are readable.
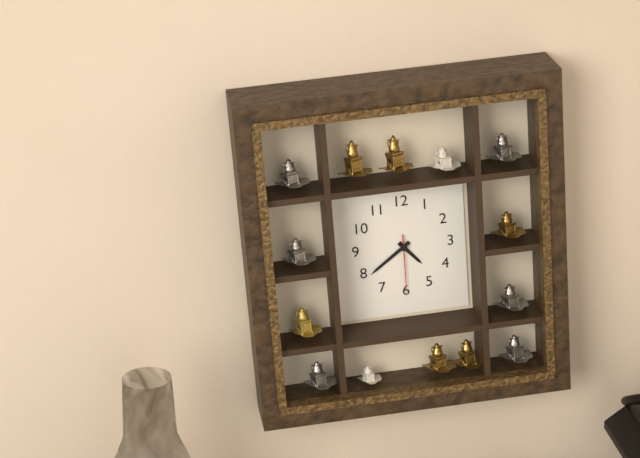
**4:39:30**
